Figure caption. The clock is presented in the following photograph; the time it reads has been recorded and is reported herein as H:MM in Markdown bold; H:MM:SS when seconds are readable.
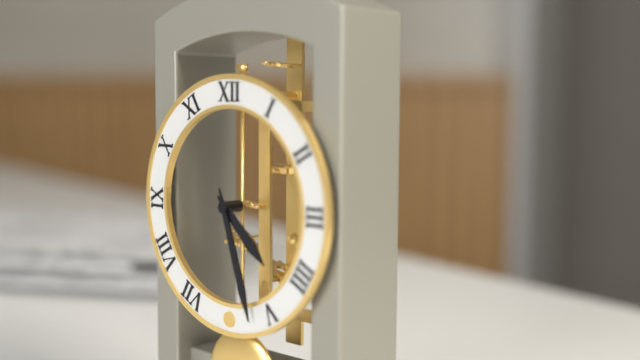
**4:27**
